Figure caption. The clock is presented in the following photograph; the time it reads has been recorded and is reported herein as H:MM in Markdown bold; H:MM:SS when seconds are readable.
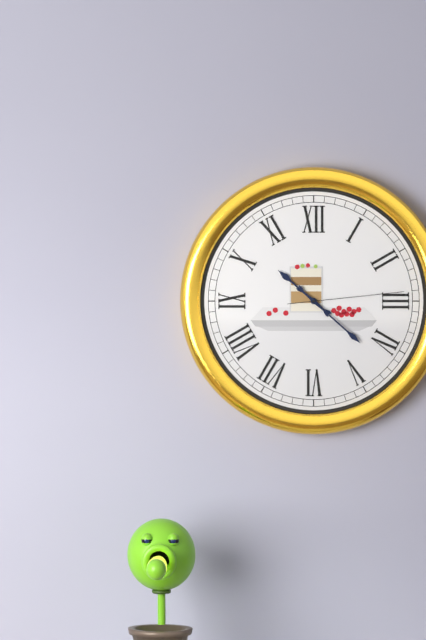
**10:22:14**
